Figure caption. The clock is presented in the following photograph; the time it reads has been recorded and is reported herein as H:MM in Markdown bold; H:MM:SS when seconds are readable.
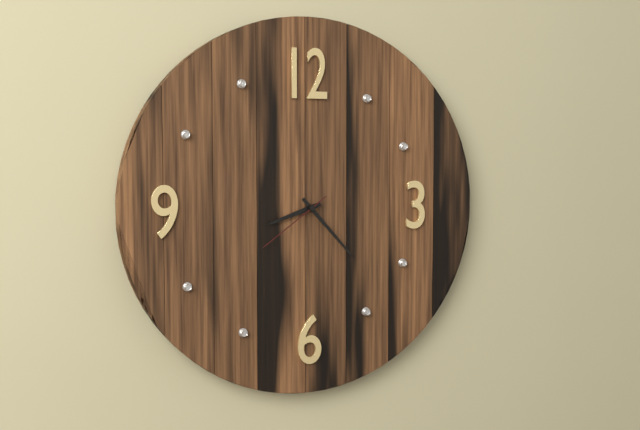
**8:23:39**
